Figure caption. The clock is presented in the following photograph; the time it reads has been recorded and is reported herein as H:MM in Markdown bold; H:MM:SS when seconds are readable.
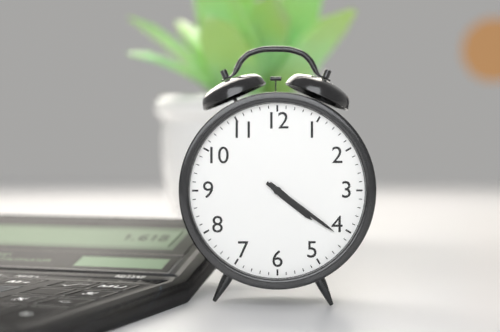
**4:21**
